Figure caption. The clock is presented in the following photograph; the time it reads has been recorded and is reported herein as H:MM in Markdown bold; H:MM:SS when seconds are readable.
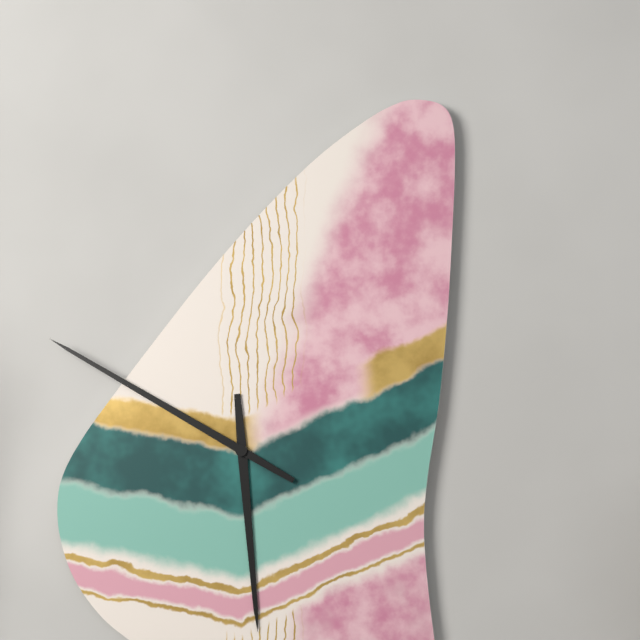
**5:50**
